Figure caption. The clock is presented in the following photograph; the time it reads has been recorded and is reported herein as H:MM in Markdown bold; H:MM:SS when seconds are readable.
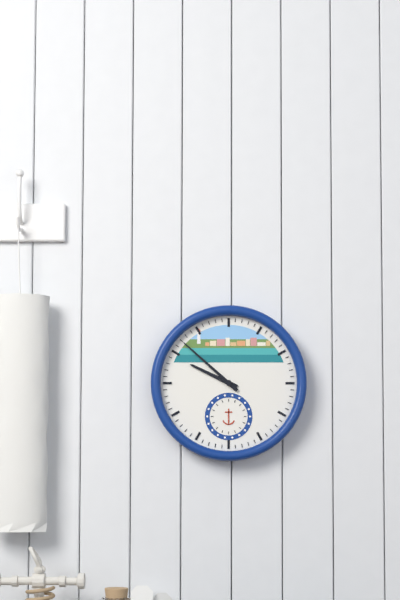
**9:52**
